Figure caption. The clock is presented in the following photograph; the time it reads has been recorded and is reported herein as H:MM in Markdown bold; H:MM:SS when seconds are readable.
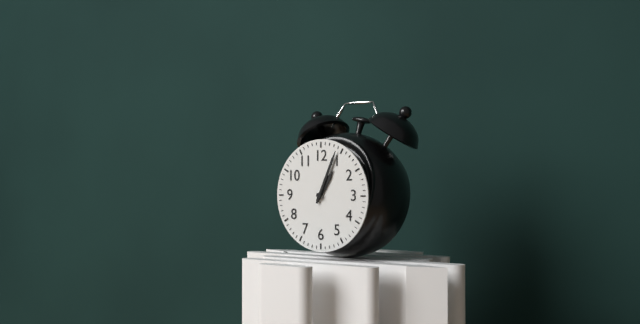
**1:04**
